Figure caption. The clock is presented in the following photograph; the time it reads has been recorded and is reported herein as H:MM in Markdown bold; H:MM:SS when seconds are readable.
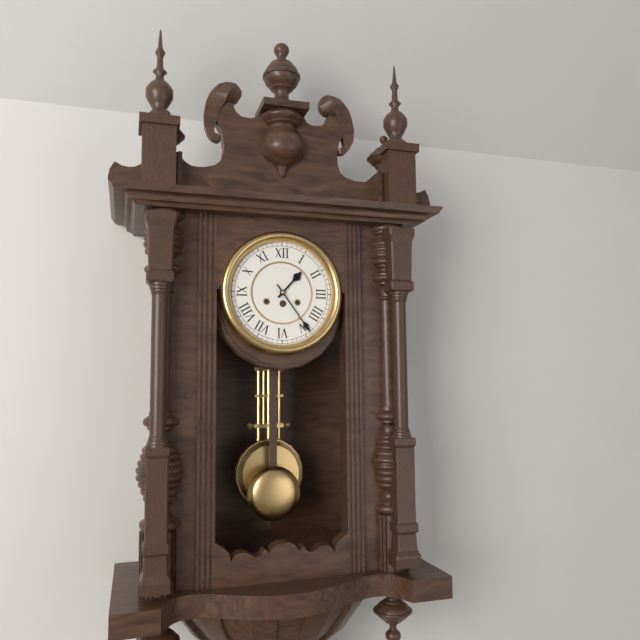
**1:24**
